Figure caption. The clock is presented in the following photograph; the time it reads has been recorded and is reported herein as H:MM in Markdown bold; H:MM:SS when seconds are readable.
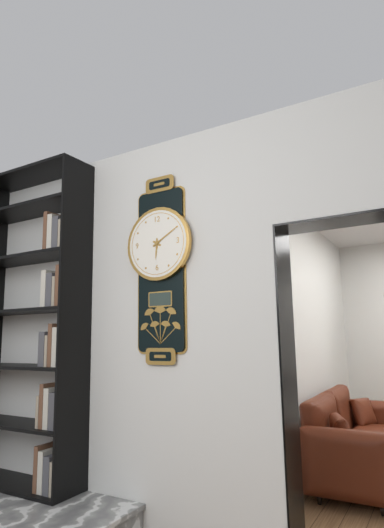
**6:10**
